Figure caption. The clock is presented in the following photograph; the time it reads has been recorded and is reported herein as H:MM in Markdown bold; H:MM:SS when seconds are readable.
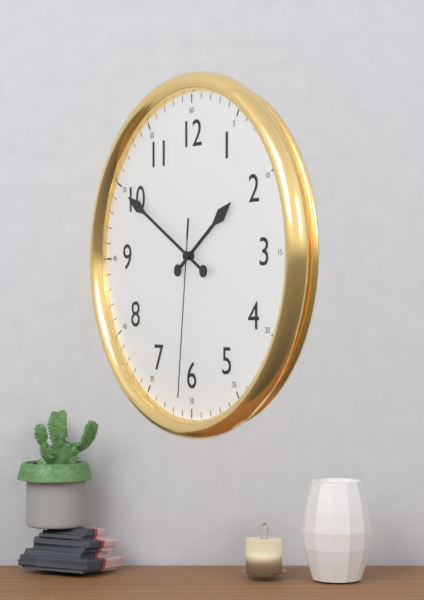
**1:50:31**
